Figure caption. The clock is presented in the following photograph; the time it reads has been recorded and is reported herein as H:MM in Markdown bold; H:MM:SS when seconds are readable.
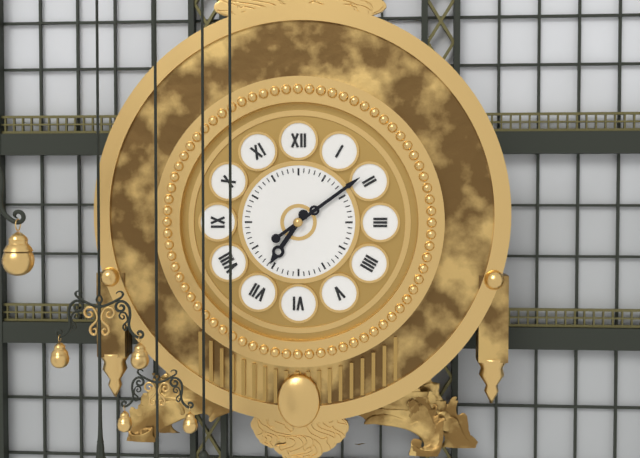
**7:09**
